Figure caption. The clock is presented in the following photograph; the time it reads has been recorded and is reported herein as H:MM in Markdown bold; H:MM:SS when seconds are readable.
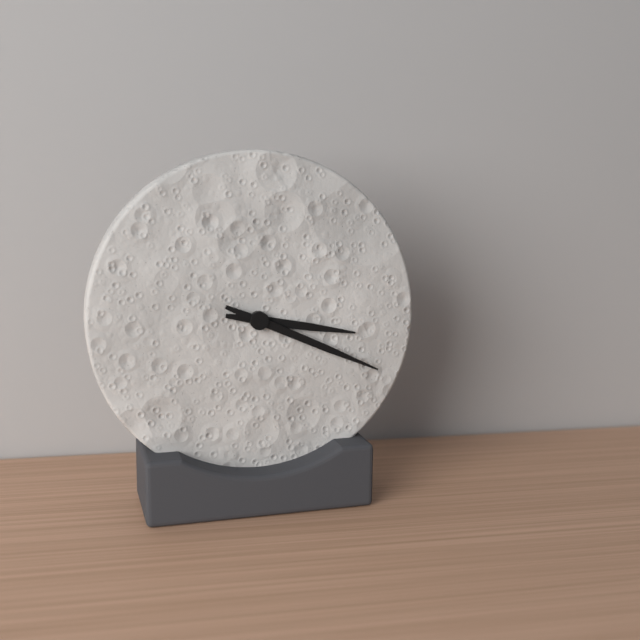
**3:19**
